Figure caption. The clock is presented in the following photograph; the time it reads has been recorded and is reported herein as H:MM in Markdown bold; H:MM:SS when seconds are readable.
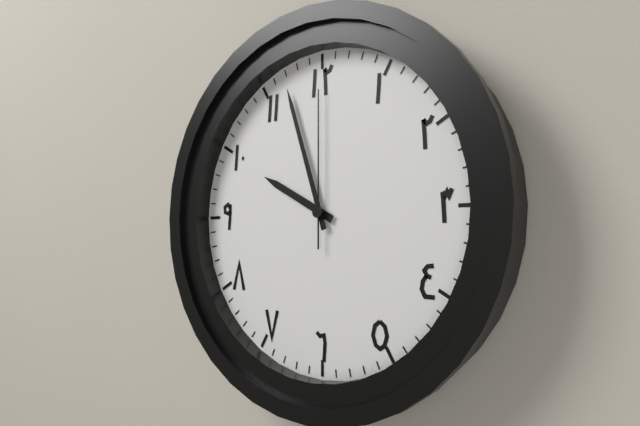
**9:57:00**
